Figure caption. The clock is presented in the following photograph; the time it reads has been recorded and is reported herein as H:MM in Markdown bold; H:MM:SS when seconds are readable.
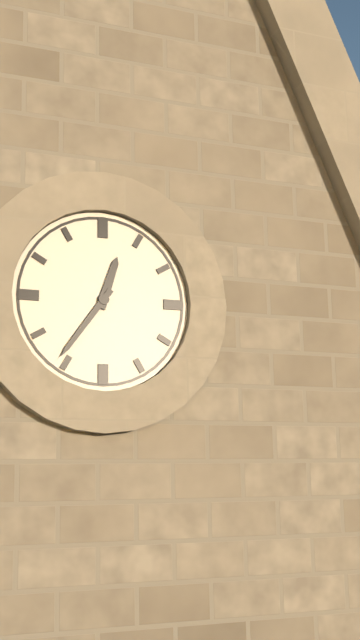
**12:36**
